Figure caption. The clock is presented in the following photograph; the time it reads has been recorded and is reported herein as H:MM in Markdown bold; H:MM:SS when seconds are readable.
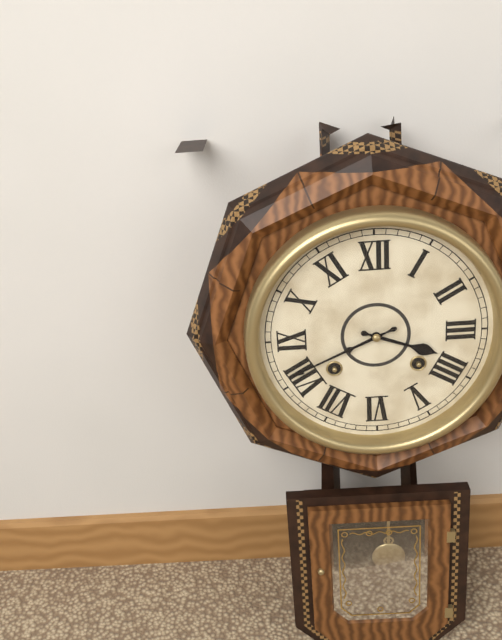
**3:41**
